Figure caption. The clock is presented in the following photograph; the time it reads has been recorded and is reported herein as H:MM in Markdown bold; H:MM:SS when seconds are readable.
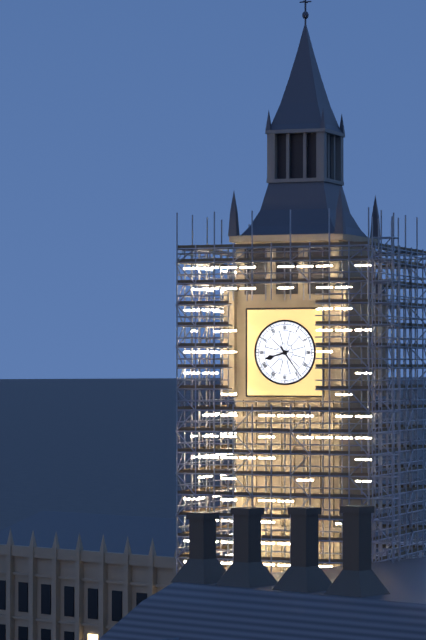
**8:24**
